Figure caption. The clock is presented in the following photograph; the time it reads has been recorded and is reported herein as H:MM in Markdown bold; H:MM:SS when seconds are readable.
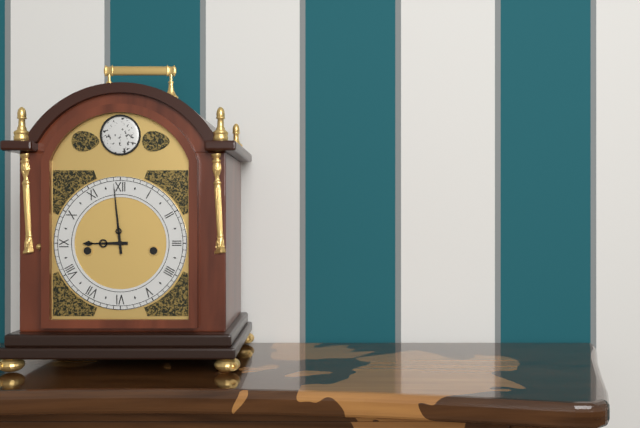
**8:59**
